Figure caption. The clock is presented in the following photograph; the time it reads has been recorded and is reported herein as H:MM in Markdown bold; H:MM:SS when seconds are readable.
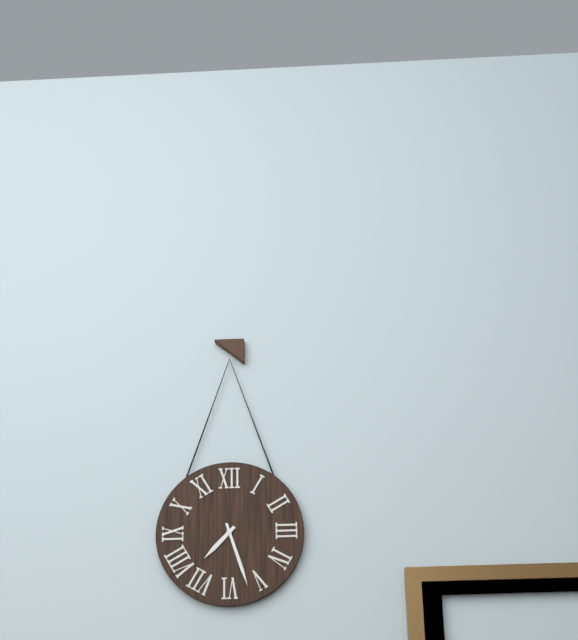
**7:27**
